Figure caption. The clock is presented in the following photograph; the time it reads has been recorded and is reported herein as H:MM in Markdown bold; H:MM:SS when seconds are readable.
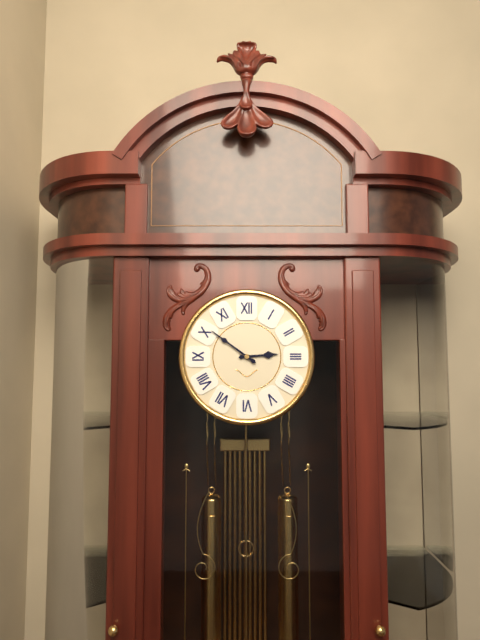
**2:51**
